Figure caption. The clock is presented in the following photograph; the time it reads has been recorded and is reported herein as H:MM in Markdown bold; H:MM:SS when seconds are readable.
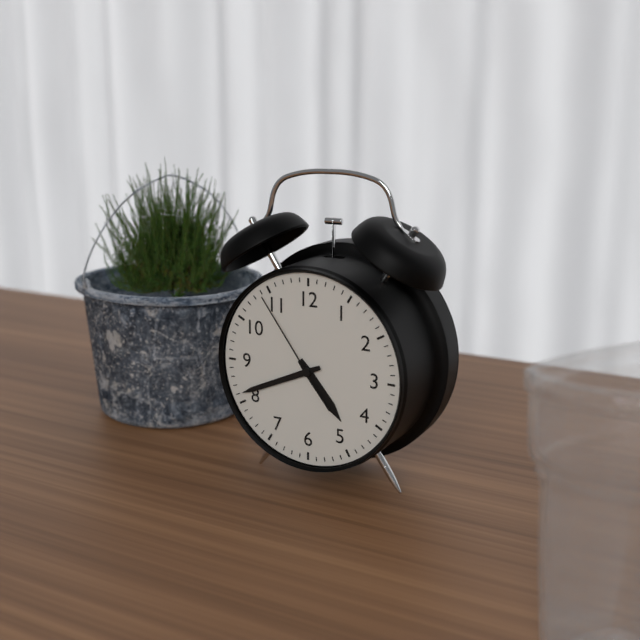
**4:41:54**
